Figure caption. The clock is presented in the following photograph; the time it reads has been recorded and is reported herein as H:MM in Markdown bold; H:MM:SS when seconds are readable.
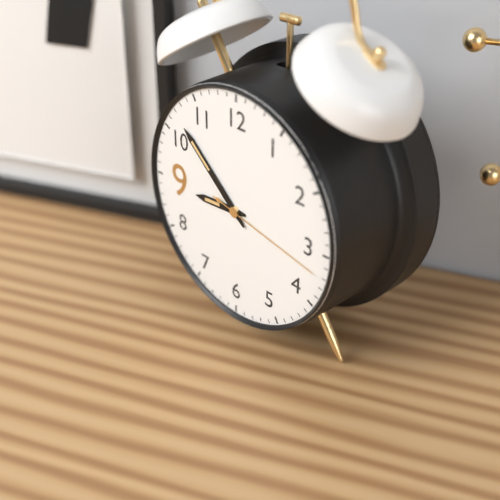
**8:52:17**
